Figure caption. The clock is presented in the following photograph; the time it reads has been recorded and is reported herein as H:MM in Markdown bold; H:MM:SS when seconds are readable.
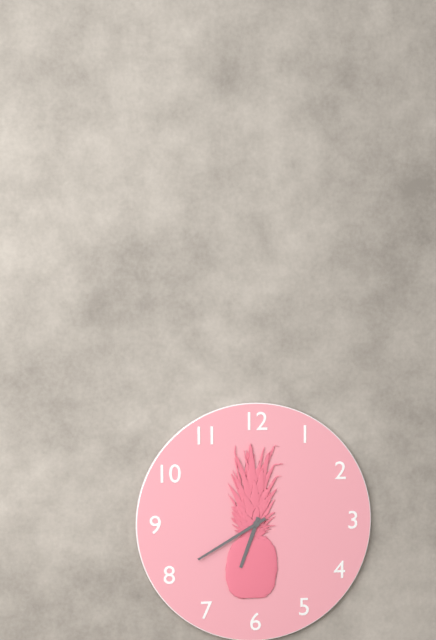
**6:40**
